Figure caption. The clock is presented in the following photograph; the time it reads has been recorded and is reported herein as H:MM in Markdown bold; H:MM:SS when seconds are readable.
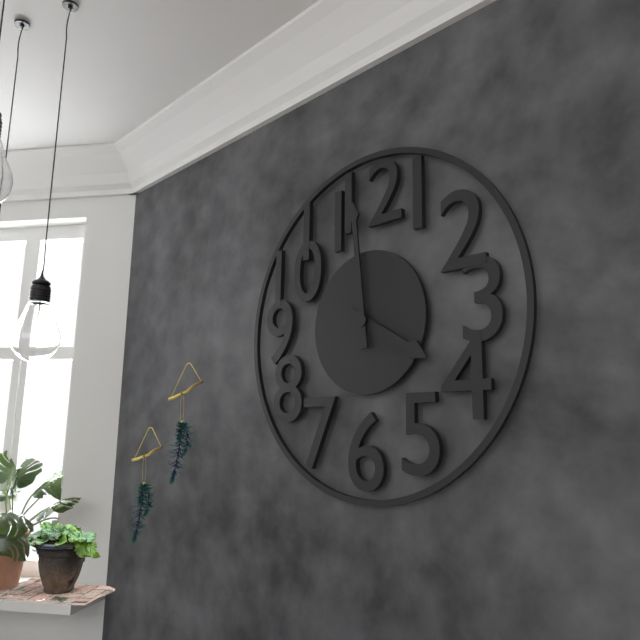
**3:59**
